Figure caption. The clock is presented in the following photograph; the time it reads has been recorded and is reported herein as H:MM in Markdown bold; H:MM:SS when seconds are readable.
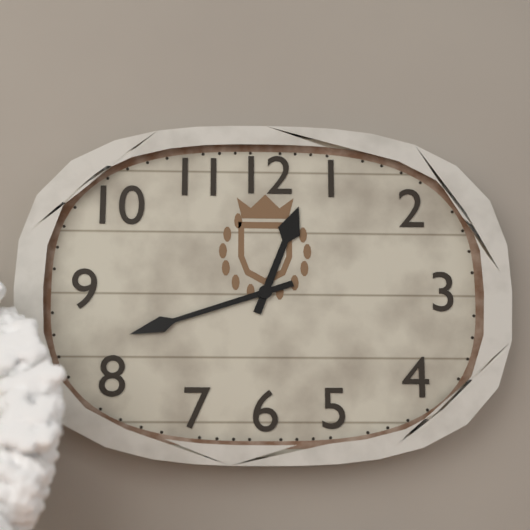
**12:42**
